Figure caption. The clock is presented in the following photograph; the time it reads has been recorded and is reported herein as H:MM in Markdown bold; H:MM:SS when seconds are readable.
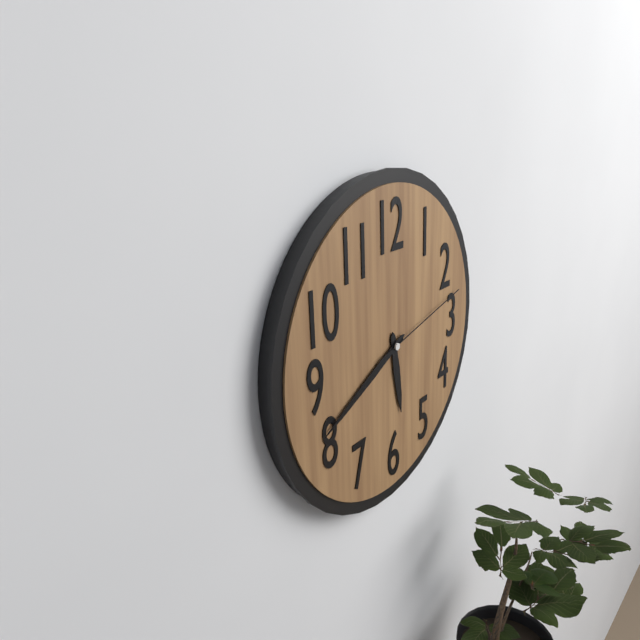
**5:41:13**
